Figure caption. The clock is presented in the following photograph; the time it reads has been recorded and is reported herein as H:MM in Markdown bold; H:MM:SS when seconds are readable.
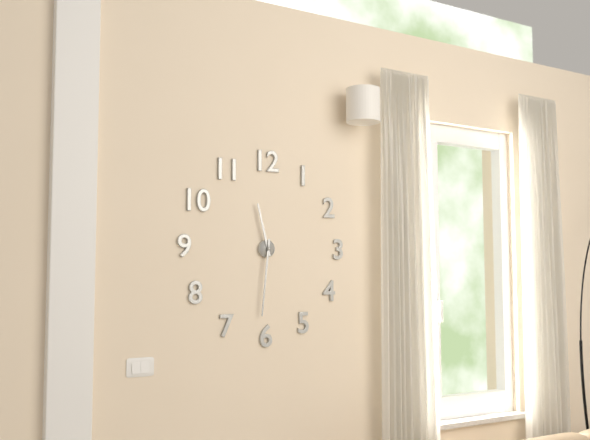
**11:31**
